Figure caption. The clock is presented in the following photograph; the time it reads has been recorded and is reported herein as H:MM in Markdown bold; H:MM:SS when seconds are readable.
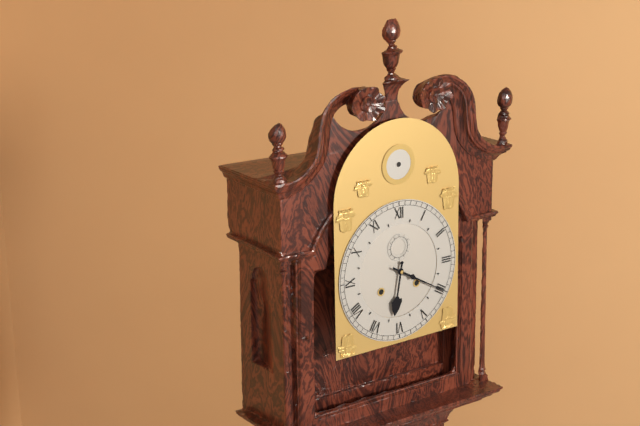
**6:20**
